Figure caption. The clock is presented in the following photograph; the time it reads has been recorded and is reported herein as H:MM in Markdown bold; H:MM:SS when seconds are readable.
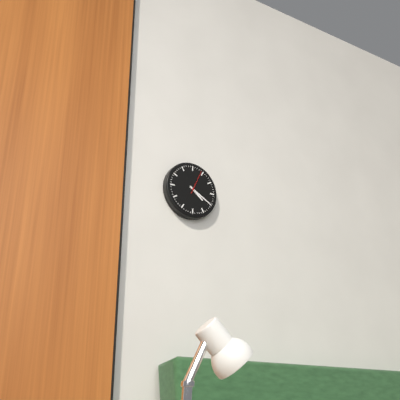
**4:20**
